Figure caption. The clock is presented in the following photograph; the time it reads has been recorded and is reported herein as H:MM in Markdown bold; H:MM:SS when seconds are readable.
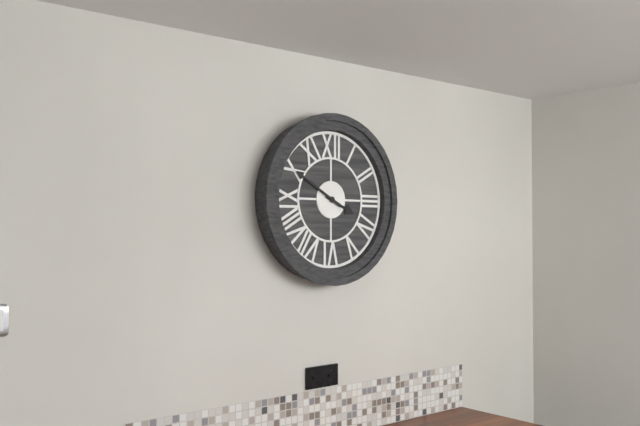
**3:50**
